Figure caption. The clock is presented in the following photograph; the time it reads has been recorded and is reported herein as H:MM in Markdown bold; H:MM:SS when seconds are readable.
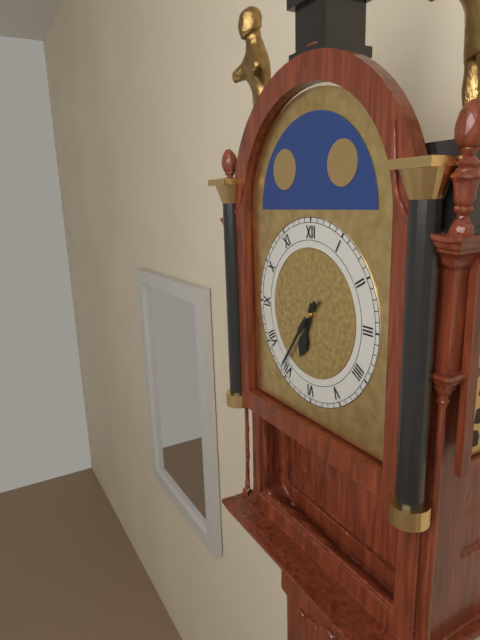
**6:36**
